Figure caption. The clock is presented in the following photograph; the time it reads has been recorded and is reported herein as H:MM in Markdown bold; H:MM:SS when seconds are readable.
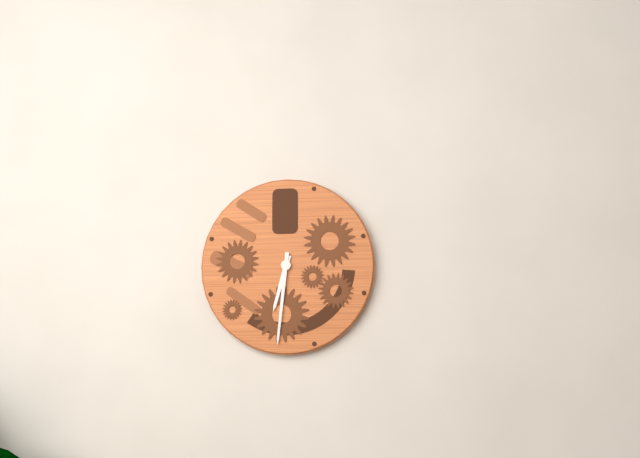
**6:31**
